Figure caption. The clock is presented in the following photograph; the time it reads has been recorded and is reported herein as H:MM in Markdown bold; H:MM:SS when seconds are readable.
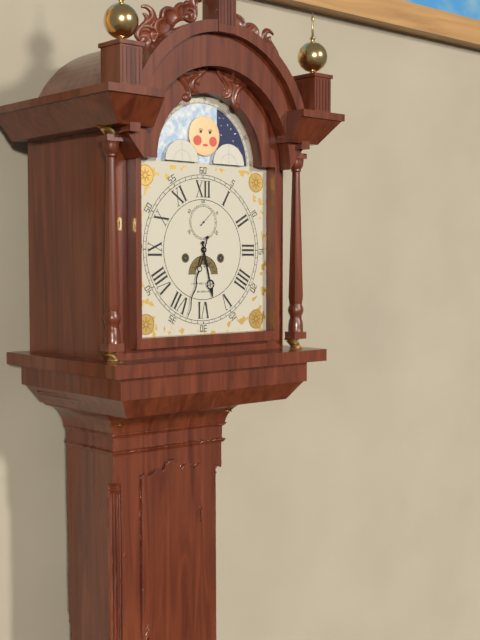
**5:33**
